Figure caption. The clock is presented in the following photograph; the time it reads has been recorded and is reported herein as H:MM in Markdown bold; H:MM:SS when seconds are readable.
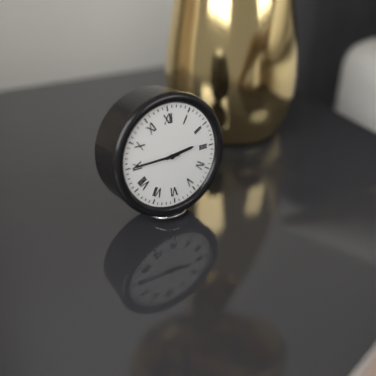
**2:45**
